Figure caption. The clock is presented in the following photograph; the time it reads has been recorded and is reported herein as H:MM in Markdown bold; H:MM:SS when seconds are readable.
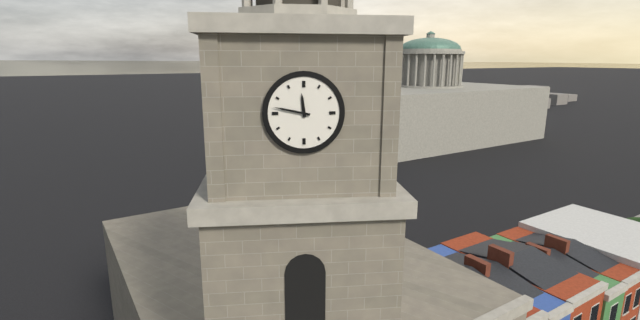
**11:47**
